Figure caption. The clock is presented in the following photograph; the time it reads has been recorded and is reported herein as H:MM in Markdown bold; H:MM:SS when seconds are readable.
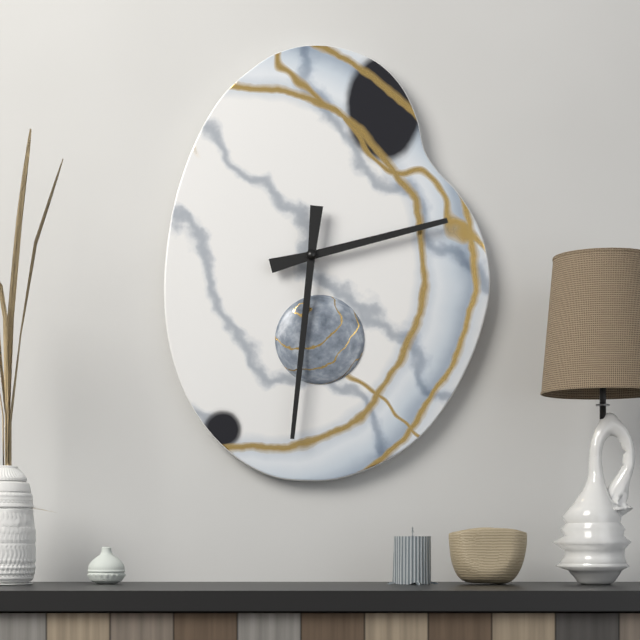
**2:31**
